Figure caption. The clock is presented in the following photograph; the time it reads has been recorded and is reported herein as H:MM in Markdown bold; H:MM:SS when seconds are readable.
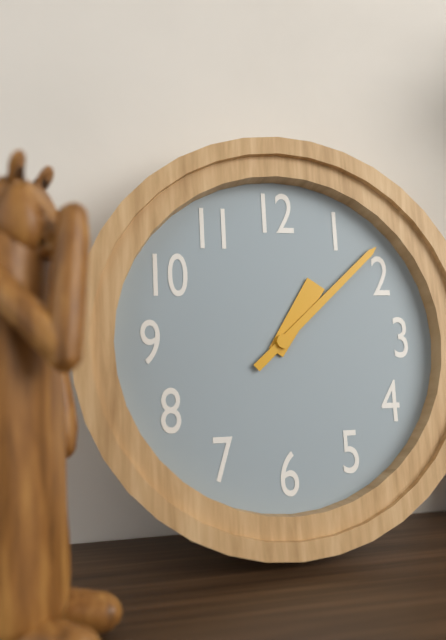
**1:08**
